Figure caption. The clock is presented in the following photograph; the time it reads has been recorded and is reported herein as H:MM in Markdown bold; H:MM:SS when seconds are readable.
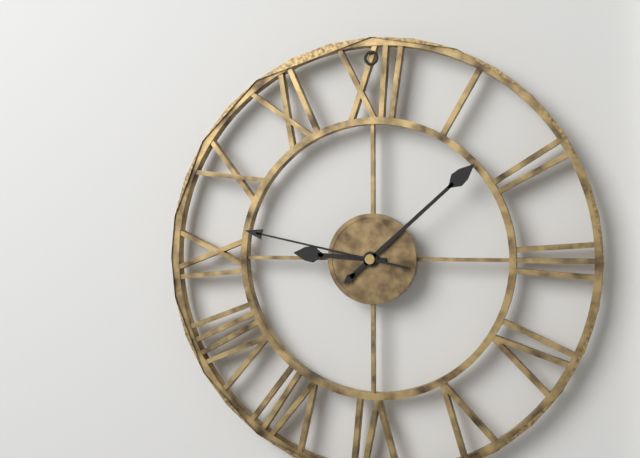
**9:08:47**
